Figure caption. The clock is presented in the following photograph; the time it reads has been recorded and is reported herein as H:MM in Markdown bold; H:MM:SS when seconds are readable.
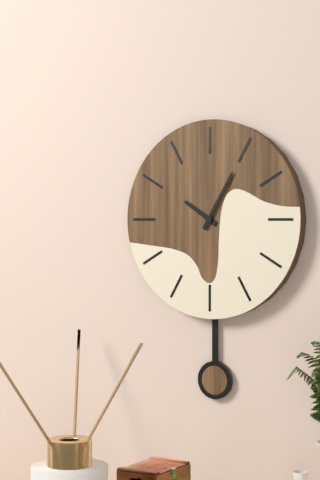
**10:05**
